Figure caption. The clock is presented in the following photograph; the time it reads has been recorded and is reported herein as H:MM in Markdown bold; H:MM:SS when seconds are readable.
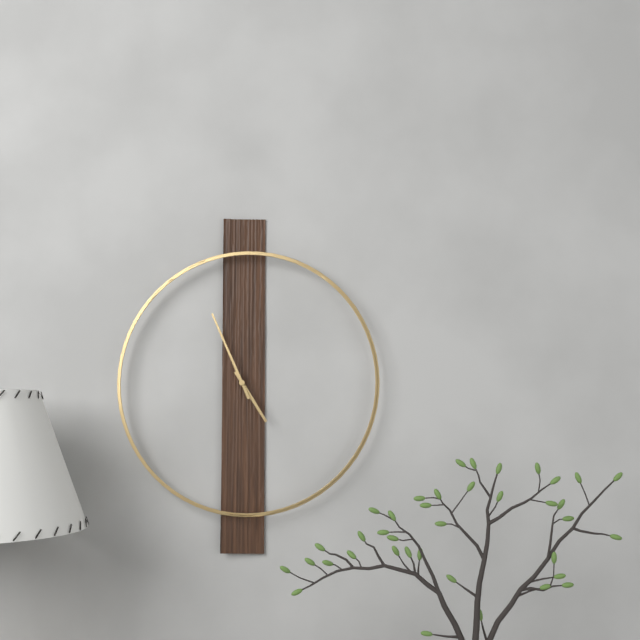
**4:56**
